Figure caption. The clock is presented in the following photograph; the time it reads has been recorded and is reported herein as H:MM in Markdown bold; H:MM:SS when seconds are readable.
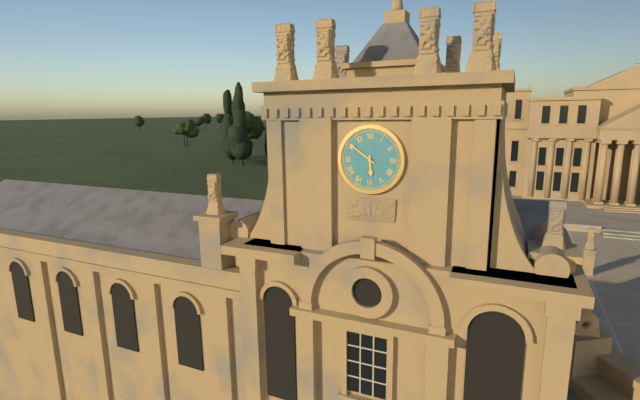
**5:51**
